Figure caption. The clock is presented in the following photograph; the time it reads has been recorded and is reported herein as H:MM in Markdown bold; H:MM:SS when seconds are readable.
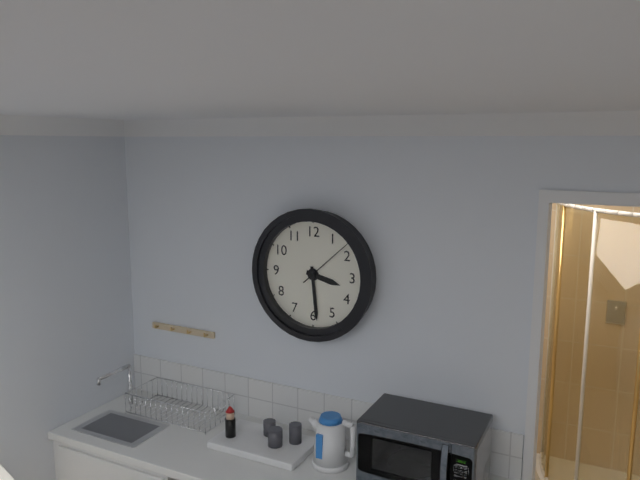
**3:29:08**
